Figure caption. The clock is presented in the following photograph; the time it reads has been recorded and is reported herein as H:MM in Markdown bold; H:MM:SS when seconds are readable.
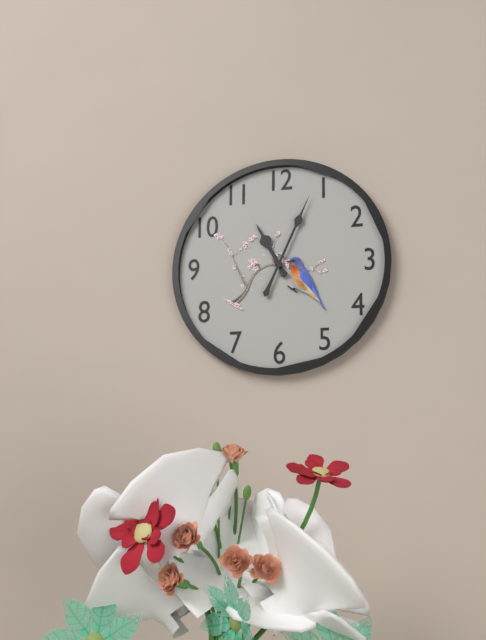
**11:04**
